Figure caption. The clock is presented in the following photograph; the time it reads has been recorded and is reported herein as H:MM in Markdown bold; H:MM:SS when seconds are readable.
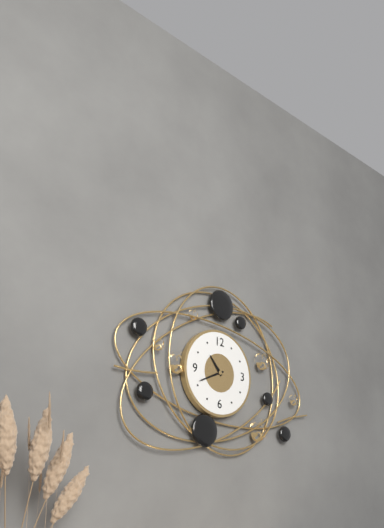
**10:41**
